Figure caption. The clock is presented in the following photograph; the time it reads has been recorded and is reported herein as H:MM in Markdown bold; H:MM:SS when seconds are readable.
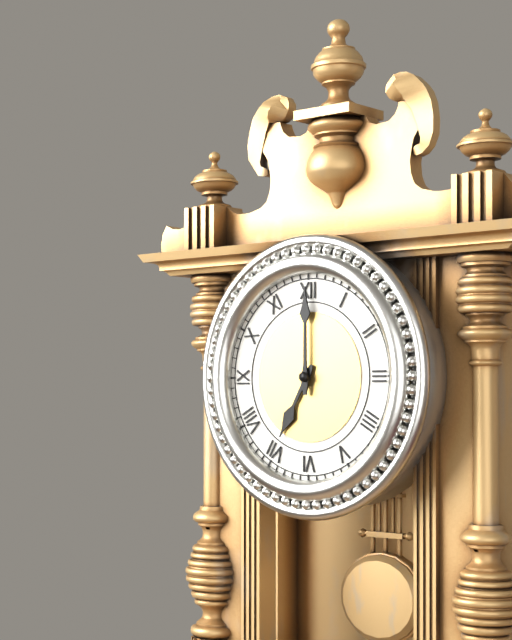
**7:00**
